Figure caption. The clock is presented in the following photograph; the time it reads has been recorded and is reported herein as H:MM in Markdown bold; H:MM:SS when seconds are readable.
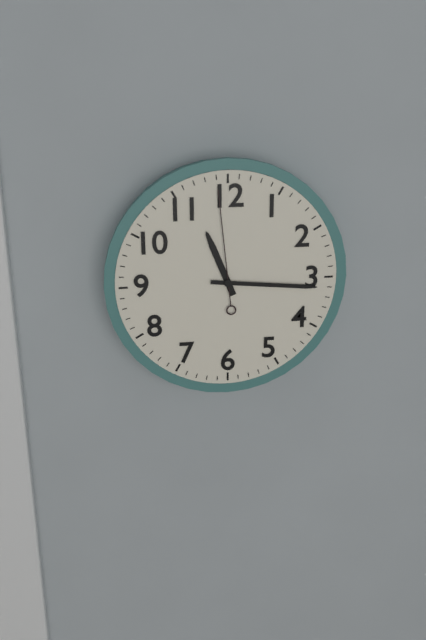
**11:16:59**
